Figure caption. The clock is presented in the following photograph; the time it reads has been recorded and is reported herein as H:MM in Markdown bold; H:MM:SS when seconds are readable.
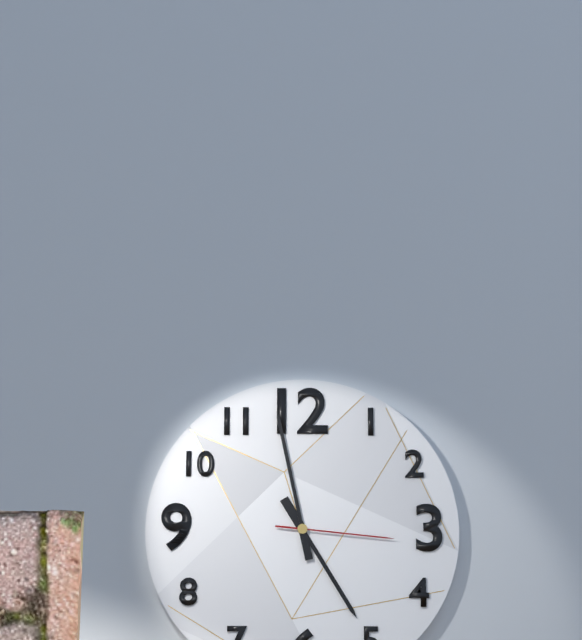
**4:58:16**
